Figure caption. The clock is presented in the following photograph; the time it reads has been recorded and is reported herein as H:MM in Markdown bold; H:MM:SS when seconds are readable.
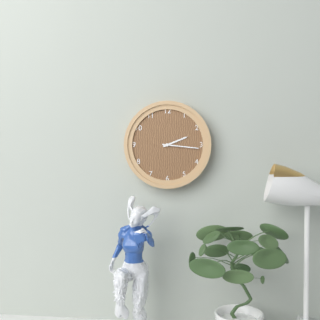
**2:16**
